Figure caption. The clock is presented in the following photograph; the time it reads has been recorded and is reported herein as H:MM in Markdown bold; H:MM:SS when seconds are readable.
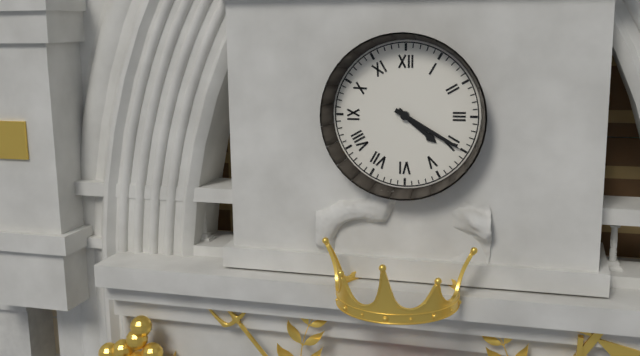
**4:20**
